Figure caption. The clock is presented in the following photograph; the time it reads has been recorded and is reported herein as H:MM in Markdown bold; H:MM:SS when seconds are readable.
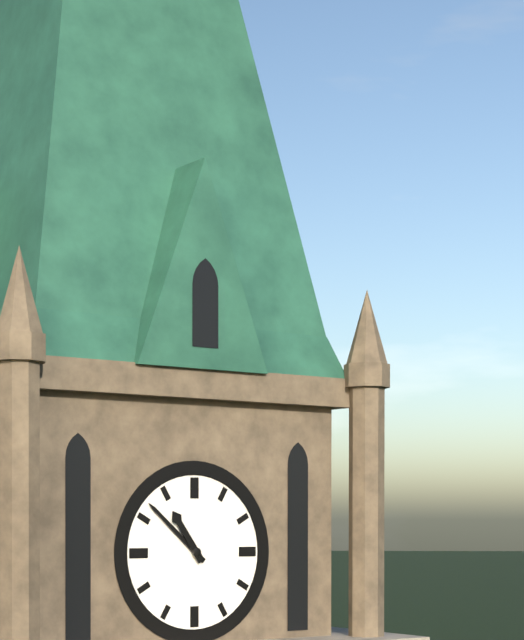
**10:52**
